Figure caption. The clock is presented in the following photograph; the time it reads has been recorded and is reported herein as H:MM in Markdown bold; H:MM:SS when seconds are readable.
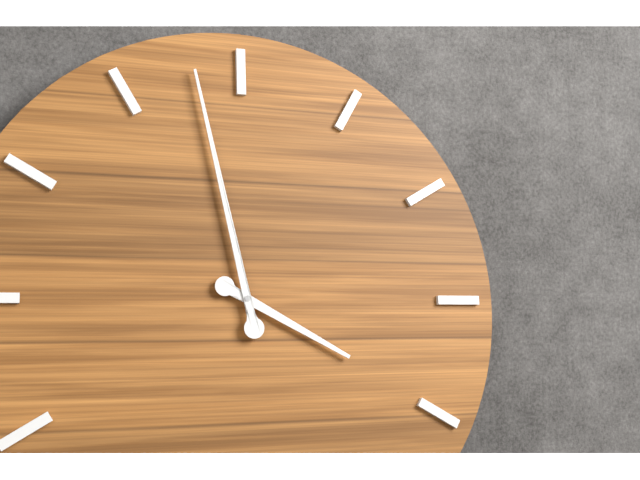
**3:58**
